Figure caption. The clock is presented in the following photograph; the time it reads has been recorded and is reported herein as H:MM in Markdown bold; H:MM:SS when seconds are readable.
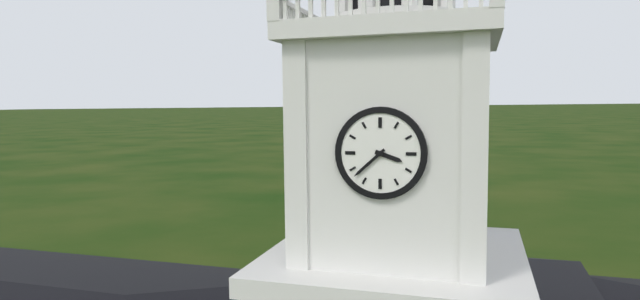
**3:38**
